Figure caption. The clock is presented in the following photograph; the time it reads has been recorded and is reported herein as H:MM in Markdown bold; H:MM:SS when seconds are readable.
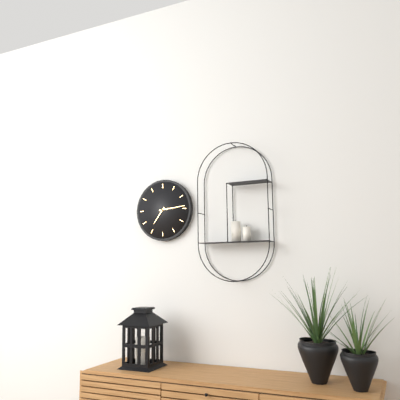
**7:14**
